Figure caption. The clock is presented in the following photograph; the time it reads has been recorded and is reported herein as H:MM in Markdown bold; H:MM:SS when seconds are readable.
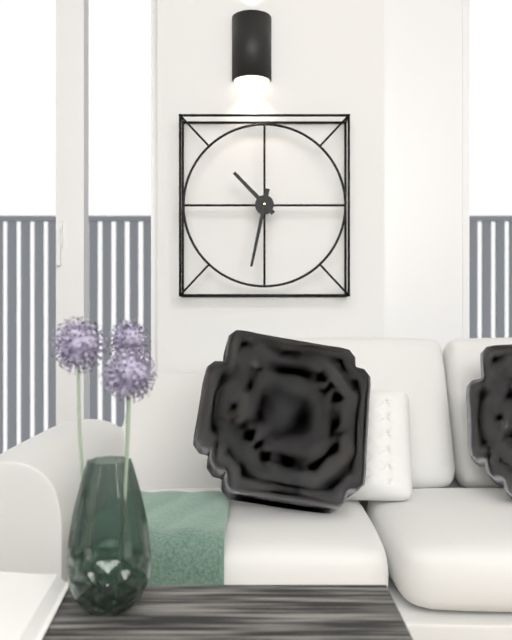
**10:32**
